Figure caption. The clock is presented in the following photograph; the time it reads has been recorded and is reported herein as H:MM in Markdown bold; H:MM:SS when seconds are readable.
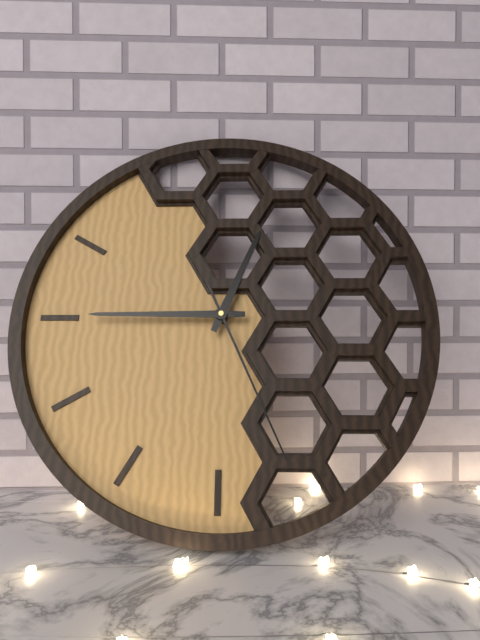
**12:45:26**
